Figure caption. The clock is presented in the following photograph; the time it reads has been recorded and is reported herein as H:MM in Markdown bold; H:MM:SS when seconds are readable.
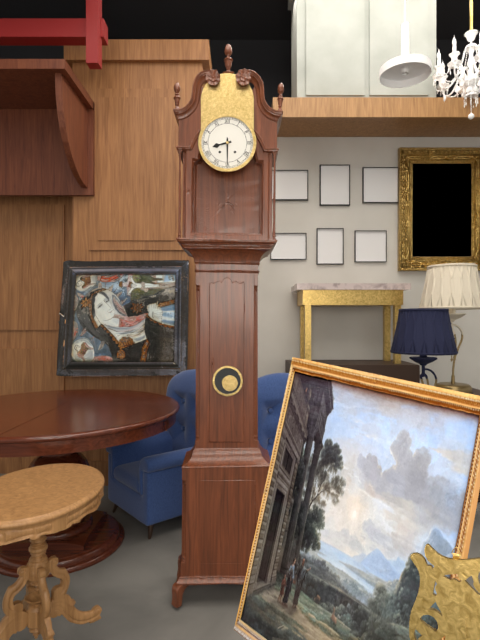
**8:30**
